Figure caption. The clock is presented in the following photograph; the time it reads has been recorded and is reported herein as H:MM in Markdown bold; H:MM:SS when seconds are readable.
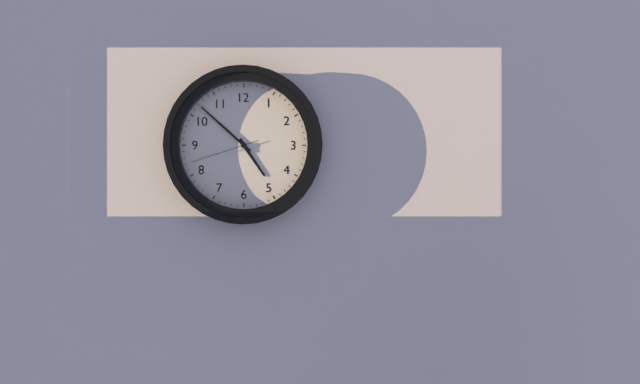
**4:52:42**
